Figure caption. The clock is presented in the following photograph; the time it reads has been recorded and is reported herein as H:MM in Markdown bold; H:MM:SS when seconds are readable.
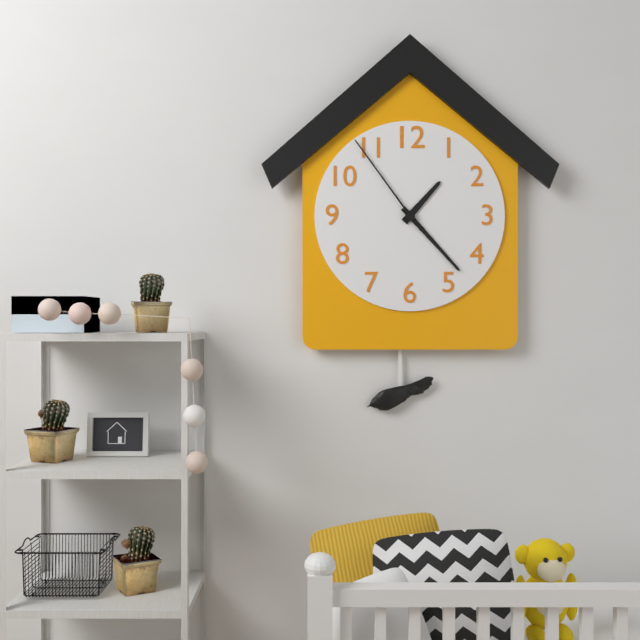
**1:23:54**
